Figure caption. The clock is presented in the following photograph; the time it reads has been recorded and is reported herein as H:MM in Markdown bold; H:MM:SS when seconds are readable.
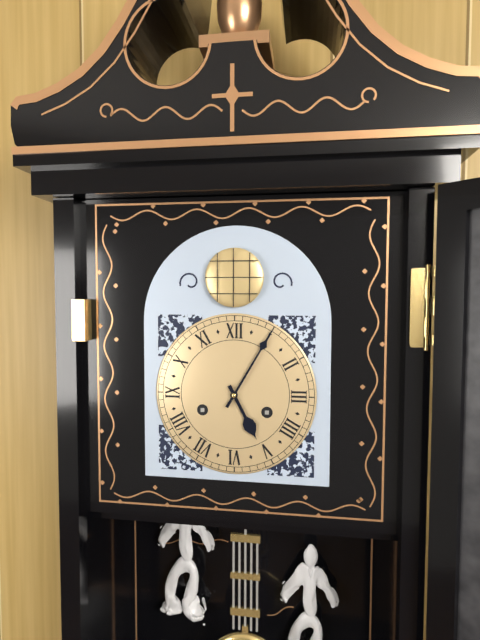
**5:05**
